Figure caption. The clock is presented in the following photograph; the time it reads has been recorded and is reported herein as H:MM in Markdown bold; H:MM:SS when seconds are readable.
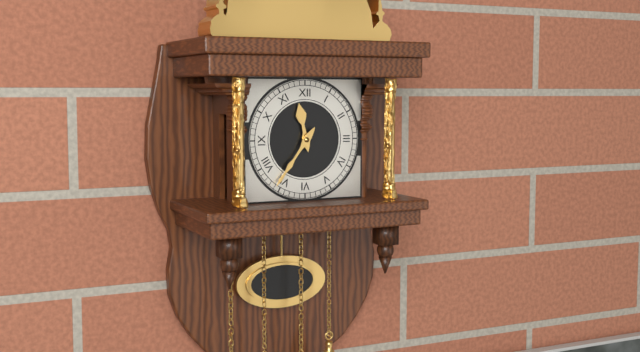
**11:36**
